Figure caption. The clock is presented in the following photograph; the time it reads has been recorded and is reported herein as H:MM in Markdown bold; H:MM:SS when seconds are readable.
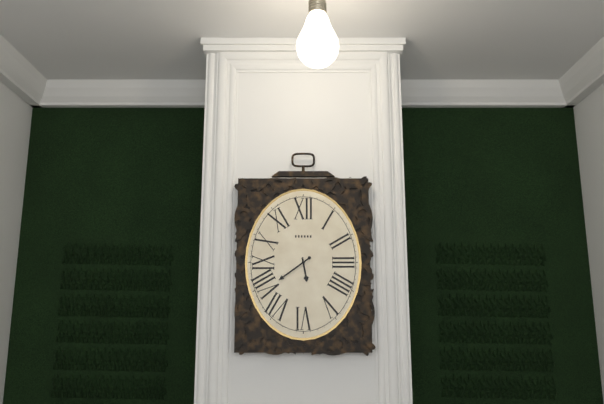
**5:39**
